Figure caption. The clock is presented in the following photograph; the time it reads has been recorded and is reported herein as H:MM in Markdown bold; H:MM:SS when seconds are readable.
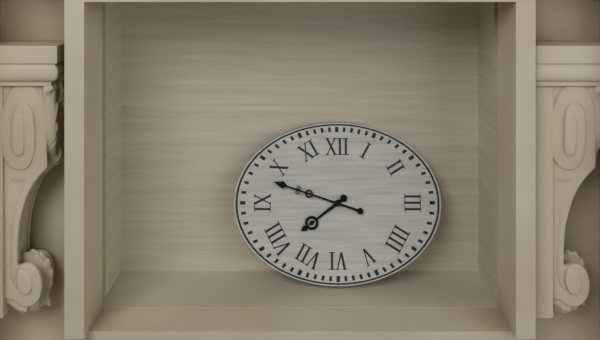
**7:48**
